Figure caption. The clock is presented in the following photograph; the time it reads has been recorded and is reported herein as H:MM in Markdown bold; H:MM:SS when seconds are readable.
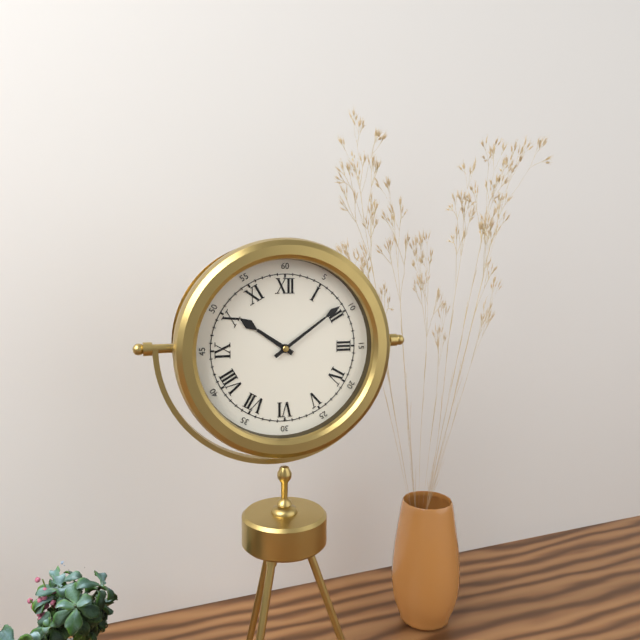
**10:09**
